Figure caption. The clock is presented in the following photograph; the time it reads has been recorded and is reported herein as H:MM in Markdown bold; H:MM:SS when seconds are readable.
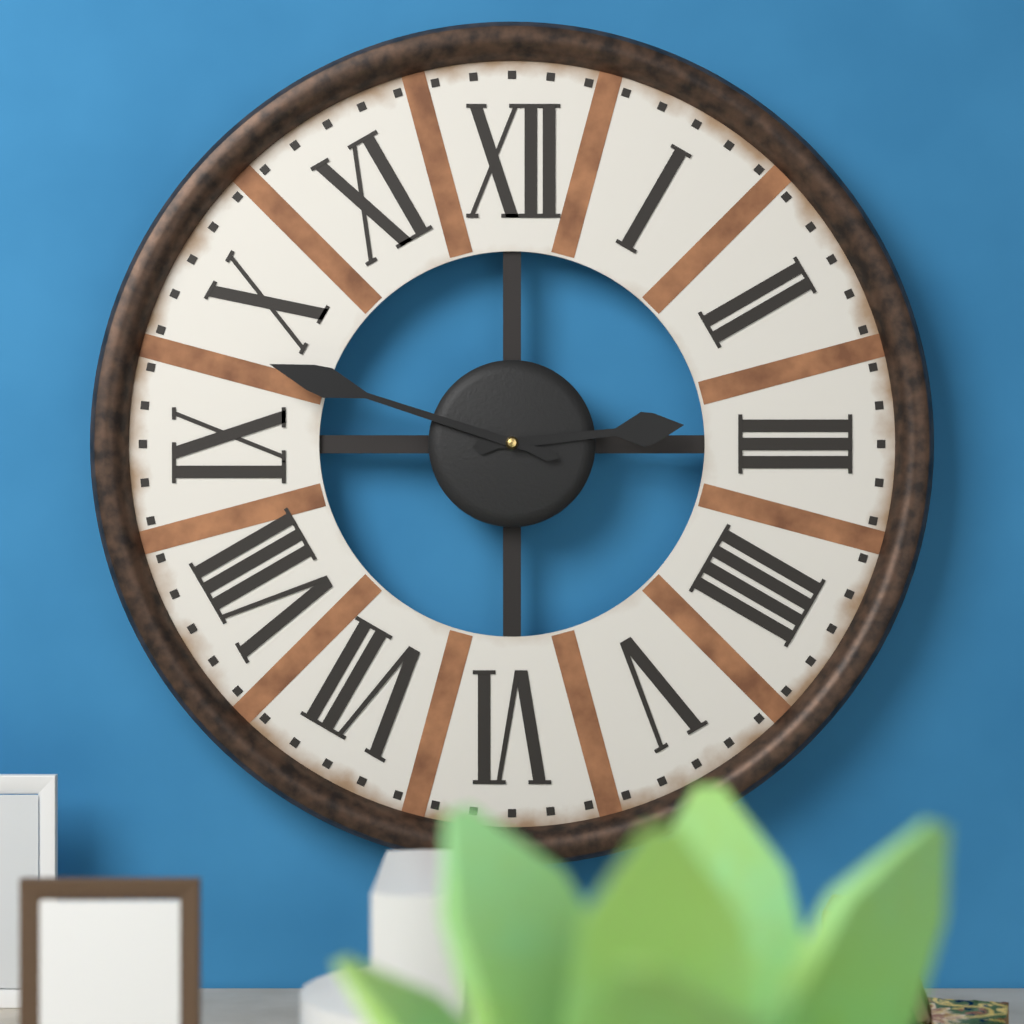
**2:48**
